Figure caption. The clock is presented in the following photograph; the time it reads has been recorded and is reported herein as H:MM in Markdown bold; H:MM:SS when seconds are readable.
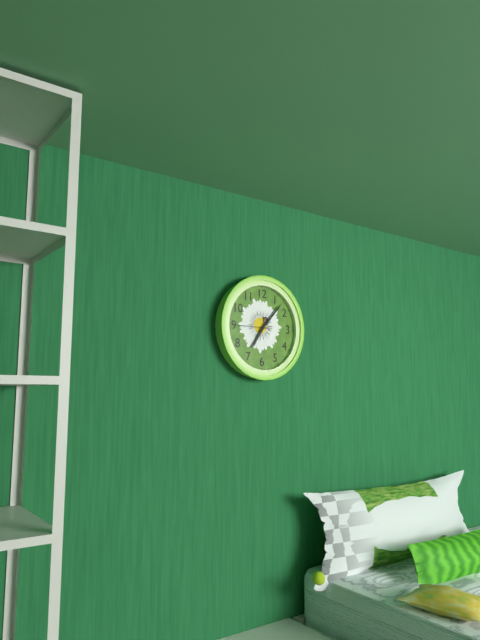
**7:07**
